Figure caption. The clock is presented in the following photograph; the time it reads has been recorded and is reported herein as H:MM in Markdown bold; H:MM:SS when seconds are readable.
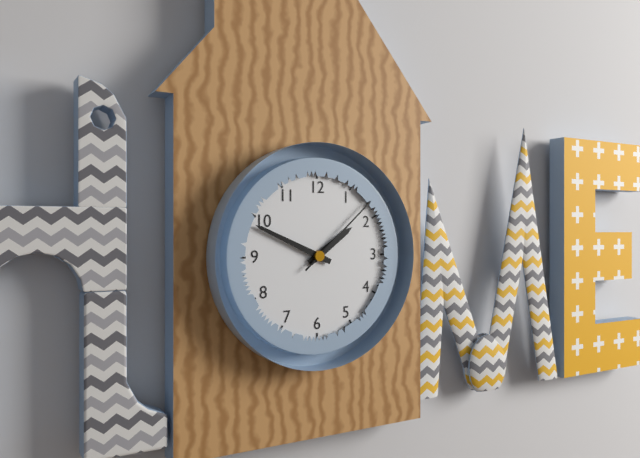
**1:49:08**
